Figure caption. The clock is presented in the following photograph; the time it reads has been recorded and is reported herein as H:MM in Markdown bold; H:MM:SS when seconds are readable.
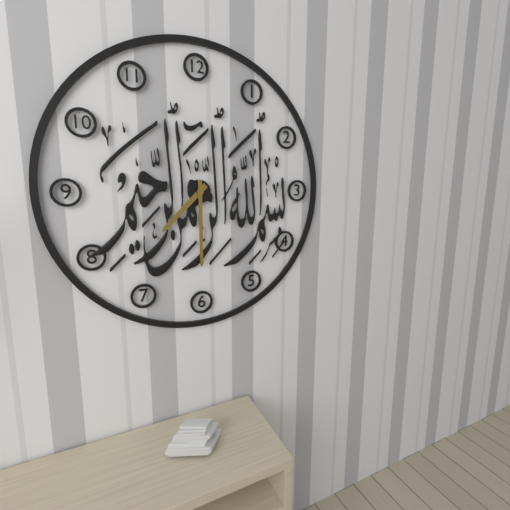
**7:30**
